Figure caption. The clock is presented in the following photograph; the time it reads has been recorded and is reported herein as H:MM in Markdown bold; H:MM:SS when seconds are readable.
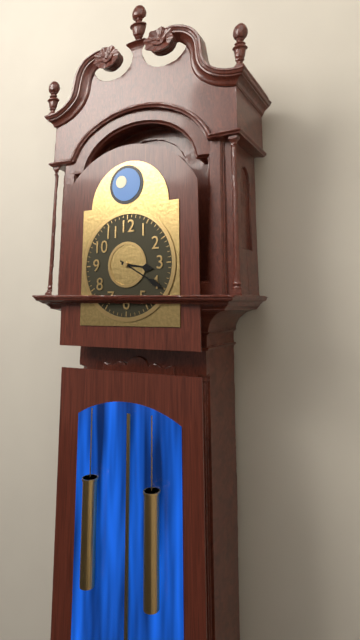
**3:20**
